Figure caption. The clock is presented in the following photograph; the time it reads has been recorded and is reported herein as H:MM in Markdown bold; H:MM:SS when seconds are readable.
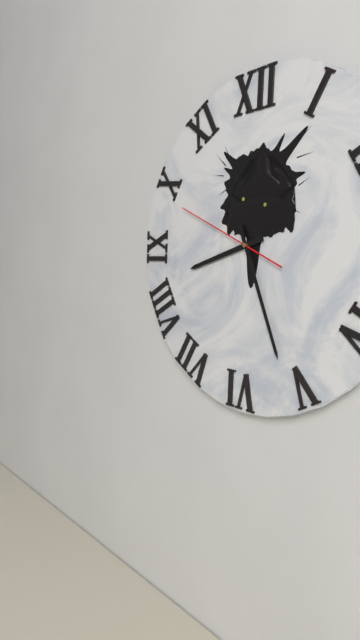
**8:26:49**
